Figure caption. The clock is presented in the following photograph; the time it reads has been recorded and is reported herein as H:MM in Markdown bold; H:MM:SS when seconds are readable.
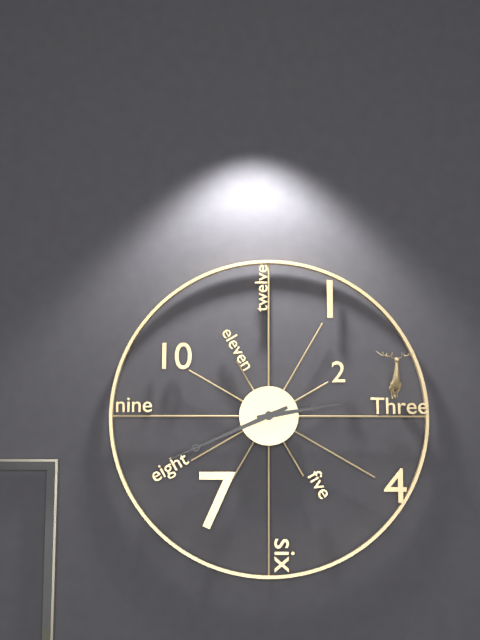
**2:41**
